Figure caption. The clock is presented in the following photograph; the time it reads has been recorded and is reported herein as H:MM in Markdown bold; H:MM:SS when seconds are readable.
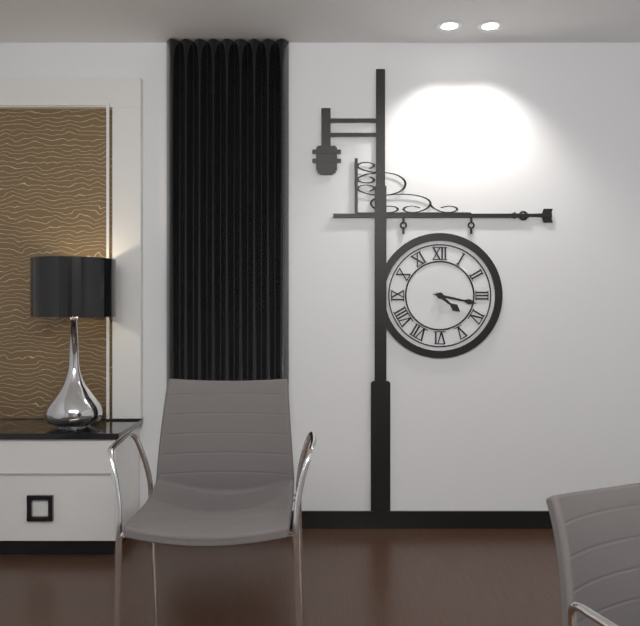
**4:17**
